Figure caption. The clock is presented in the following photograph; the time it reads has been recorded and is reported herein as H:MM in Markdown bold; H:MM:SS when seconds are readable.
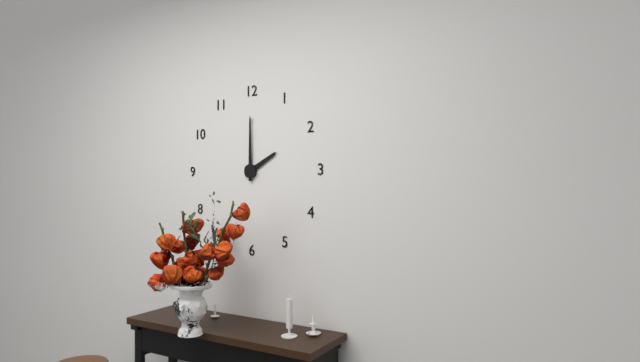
**2:00**
